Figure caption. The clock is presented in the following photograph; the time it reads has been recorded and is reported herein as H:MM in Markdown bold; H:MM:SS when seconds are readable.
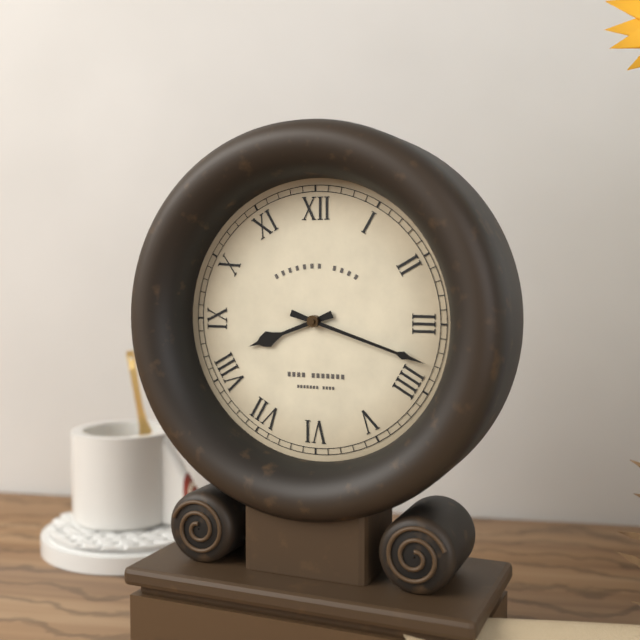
**8:18**
